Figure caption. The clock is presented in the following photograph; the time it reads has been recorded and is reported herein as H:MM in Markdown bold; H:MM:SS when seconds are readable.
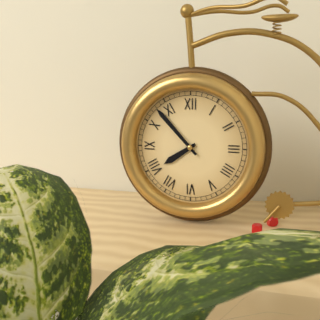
**7:53**
